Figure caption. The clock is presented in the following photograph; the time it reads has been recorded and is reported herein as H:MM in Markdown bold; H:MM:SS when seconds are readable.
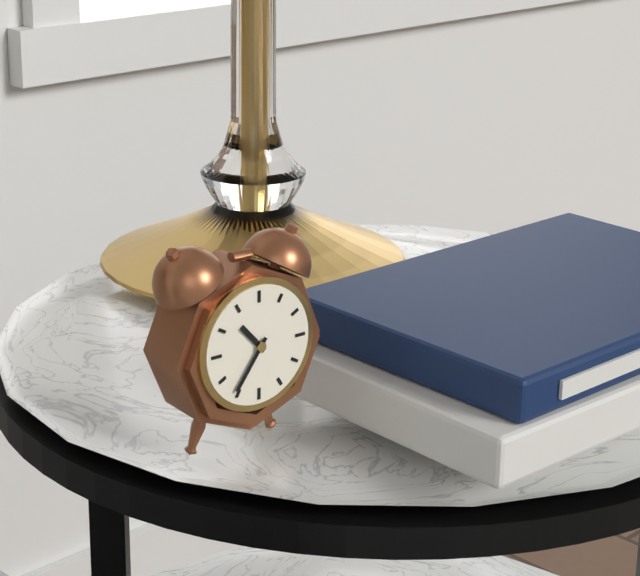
**10:36**
